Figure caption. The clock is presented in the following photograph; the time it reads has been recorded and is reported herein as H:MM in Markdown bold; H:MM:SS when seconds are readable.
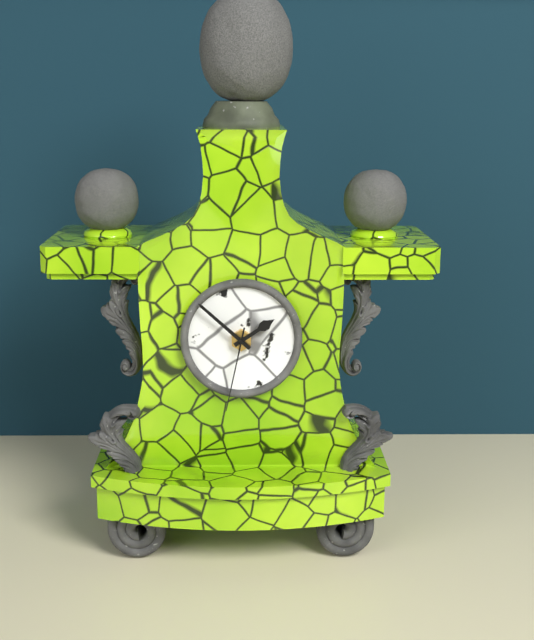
**1:52:32**
